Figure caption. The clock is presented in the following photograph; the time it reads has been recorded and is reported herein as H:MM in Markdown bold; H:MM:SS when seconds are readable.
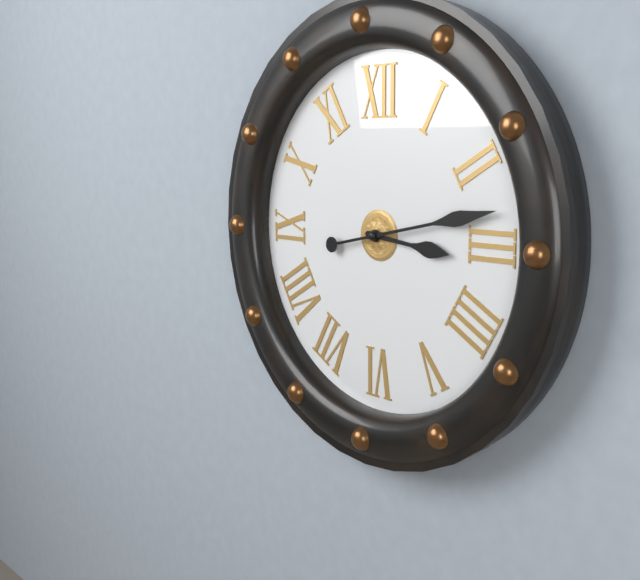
**3:13**
